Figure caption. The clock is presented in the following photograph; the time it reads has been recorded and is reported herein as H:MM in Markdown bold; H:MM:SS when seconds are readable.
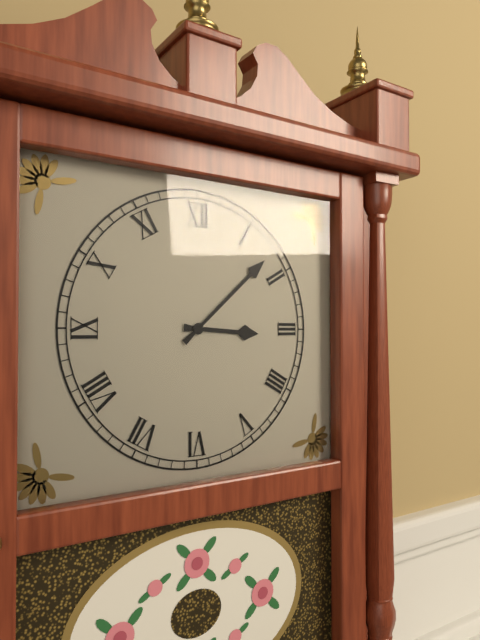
**3:08**
